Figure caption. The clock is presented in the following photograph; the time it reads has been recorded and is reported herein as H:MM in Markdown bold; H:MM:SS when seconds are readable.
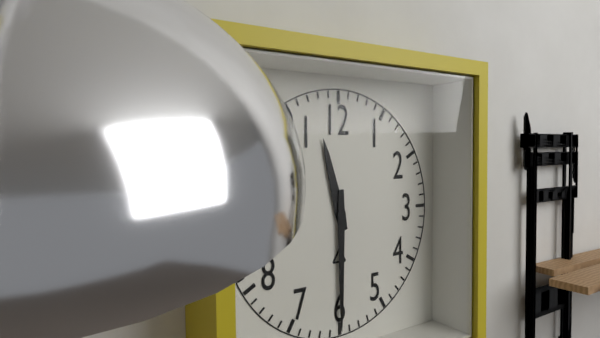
**11:30**
